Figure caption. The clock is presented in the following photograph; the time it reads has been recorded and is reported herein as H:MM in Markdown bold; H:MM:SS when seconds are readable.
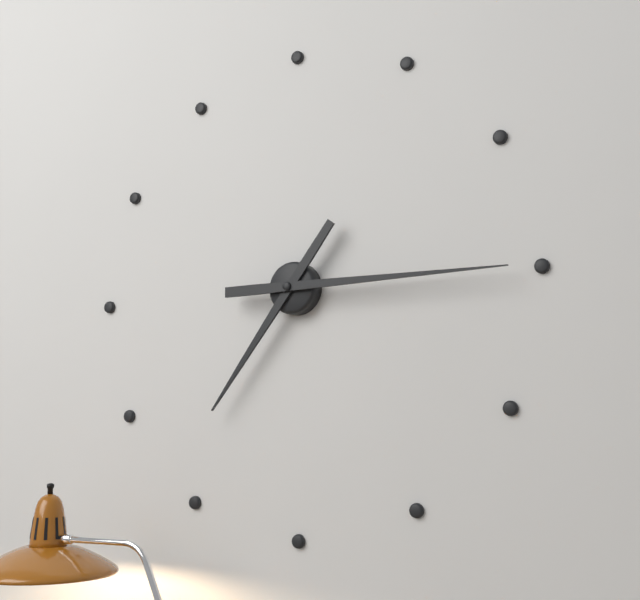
**7:15**
